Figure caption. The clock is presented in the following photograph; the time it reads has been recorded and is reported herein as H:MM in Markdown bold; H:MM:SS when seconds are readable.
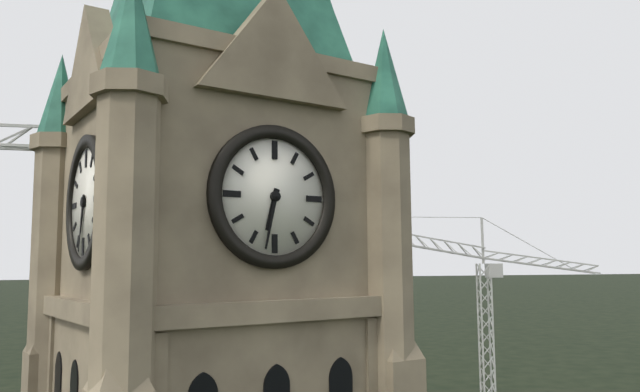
**6:32**
